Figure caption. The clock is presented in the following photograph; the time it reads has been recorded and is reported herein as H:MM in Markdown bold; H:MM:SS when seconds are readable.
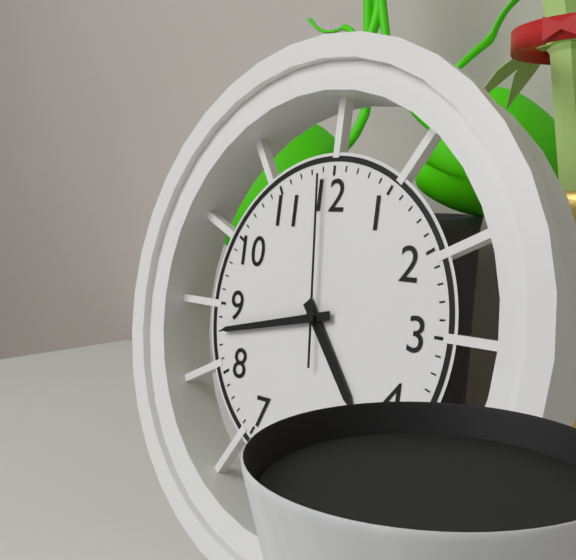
**4:43:59**
